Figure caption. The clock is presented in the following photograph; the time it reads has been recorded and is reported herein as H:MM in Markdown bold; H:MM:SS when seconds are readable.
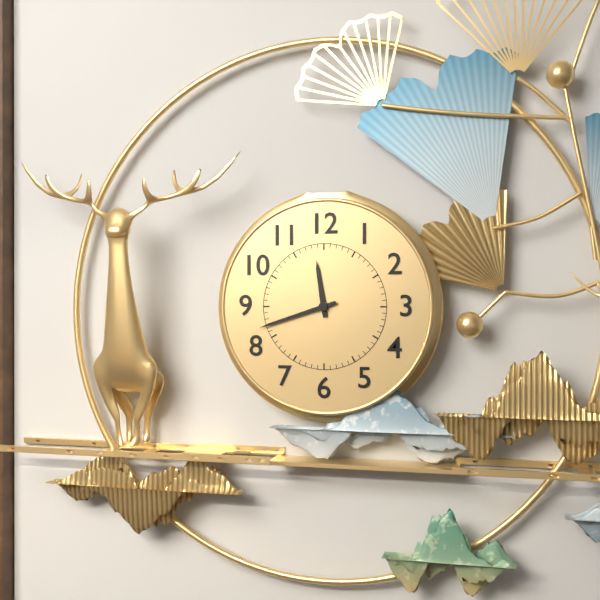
**11:42**
